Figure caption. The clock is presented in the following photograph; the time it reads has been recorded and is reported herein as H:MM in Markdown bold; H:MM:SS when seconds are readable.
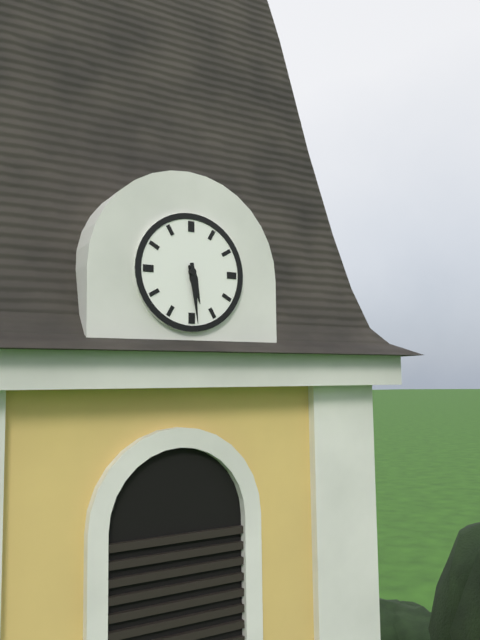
**5:29**
